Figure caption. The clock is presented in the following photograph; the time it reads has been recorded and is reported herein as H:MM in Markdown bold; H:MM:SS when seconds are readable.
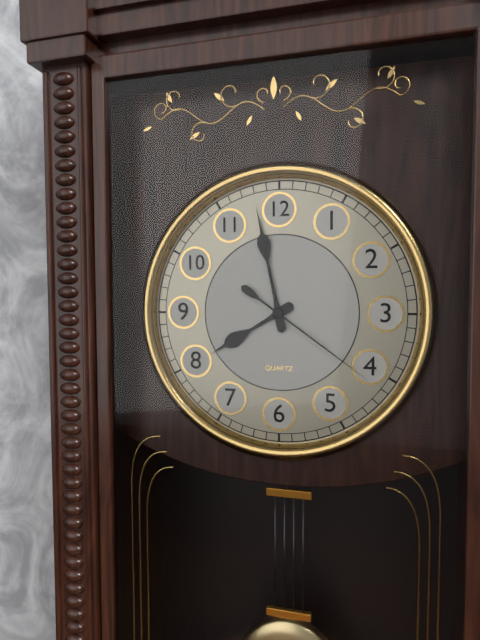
**7:58:21**
